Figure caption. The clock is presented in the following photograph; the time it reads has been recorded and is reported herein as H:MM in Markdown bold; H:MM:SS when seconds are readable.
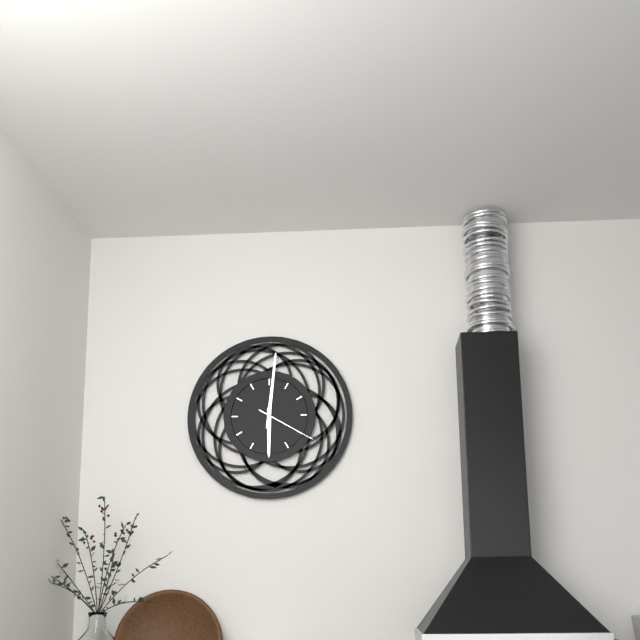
**6:01:20**
